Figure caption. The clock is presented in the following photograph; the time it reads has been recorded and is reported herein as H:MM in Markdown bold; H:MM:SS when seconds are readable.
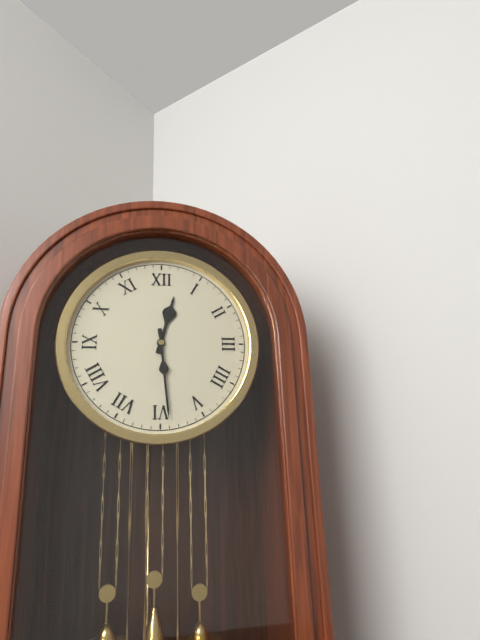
**12:29**
